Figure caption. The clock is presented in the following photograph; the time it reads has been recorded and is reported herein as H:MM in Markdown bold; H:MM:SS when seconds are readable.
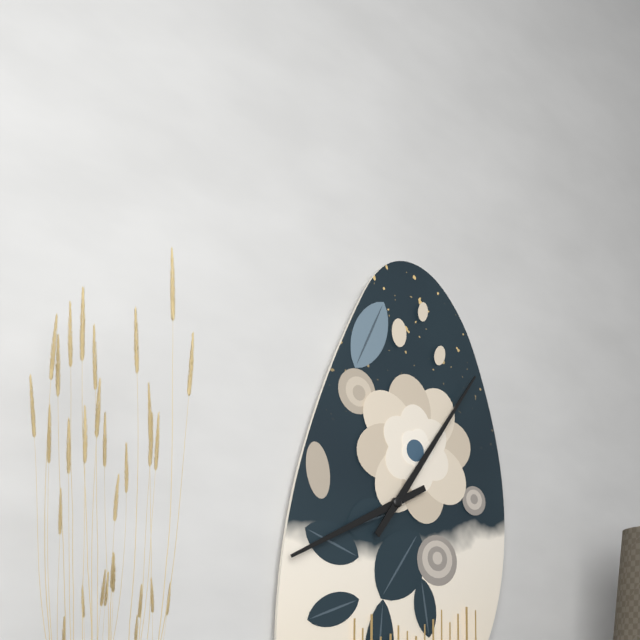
**8:06**
